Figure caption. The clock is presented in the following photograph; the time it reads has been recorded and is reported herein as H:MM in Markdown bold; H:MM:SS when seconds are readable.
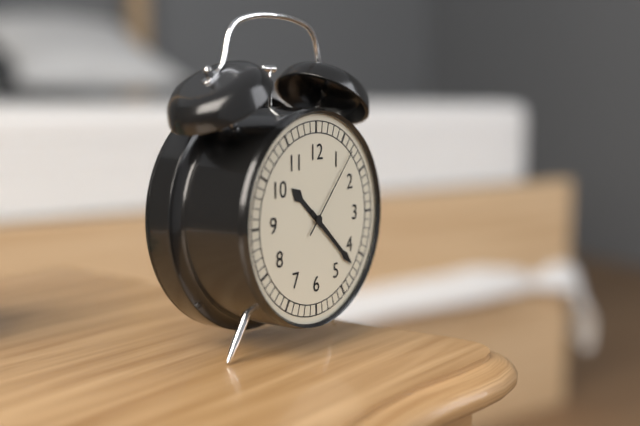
**10:22:07**
